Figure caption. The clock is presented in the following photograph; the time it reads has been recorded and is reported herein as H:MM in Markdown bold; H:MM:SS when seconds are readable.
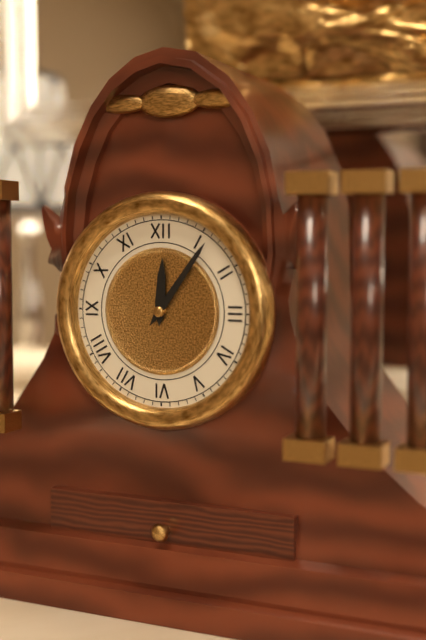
**12:06**
